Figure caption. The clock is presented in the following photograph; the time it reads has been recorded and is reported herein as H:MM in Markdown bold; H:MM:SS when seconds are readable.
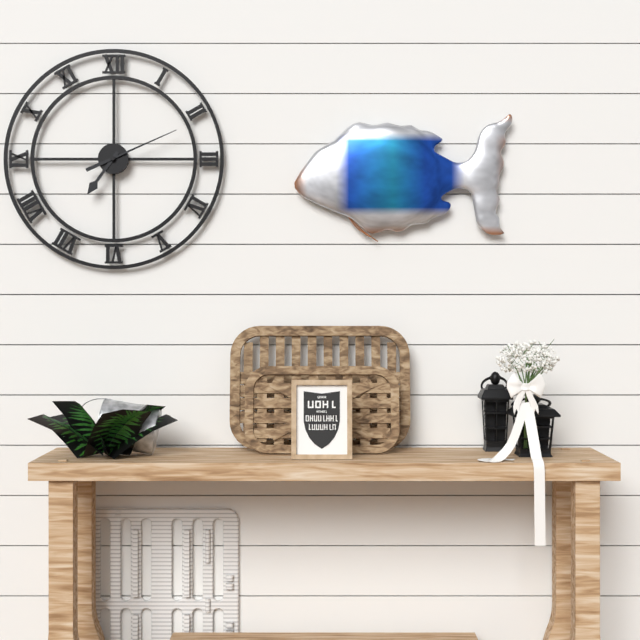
**7:11**
